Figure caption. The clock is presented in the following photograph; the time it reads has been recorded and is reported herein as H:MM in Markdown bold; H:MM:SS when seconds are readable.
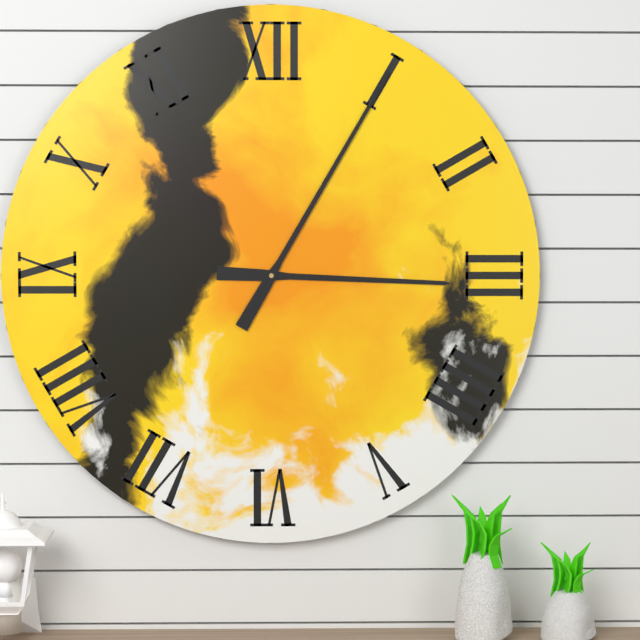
**3:05**
